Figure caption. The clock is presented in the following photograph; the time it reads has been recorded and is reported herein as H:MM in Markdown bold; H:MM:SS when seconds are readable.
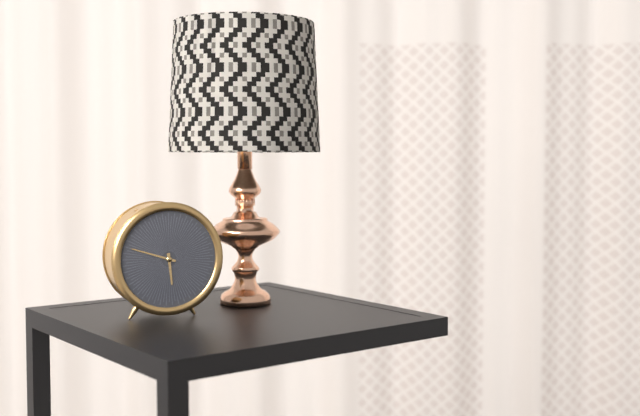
**5:48**
